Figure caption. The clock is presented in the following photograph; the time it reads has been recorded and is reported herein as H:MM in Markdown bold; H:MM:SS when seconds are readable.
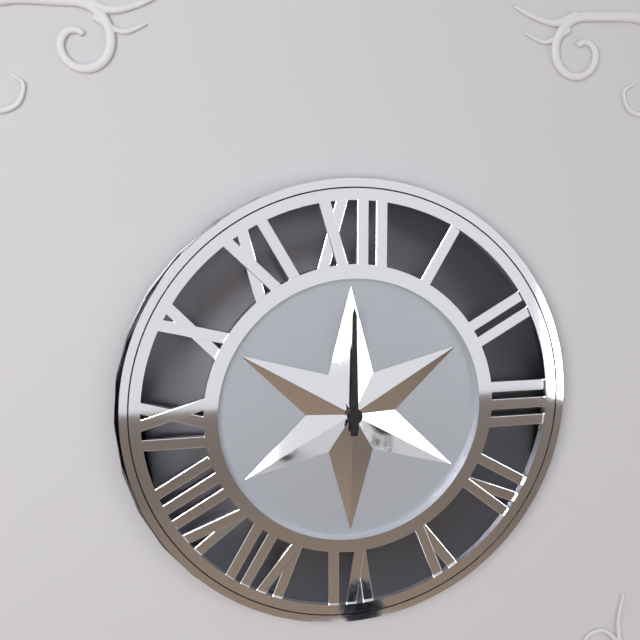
**12:00**
